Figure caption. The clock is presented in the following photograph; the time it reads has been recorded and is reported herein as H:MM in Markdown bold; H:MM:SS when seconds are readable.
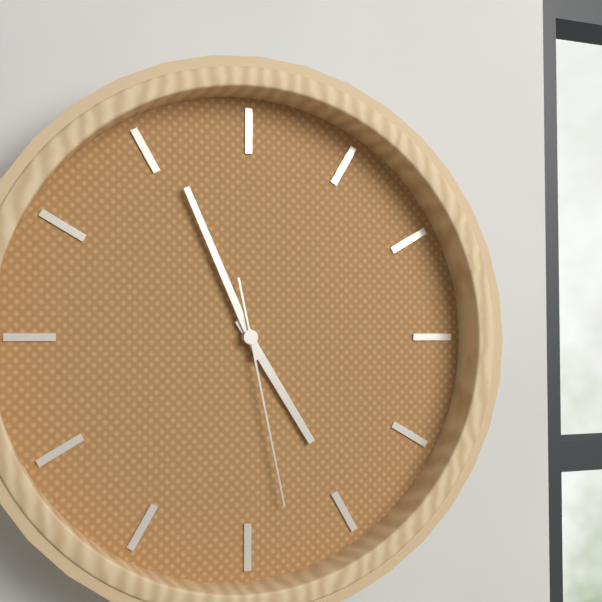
**4:56:28**
